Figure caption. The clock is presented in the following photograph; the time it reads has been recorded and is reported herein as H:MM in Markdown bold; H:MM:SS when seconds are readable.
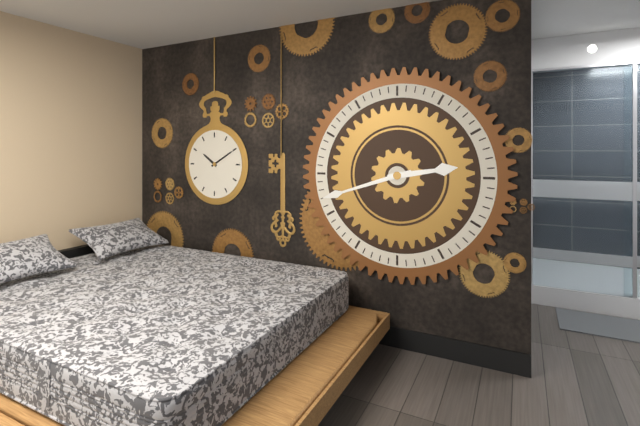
**2:42**
